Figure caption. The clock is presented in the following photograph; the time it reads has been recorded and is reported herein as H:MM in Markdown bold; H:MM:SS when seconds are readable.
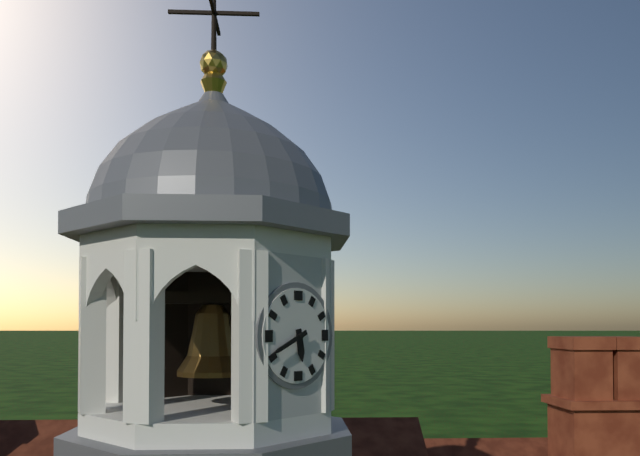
**5:41**
